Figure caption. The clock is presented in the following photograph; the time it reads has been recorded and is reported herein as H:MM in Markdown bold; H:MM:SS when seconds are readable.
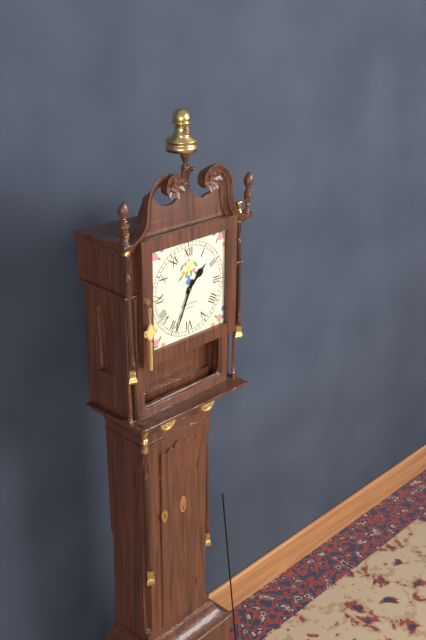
**1:34**
